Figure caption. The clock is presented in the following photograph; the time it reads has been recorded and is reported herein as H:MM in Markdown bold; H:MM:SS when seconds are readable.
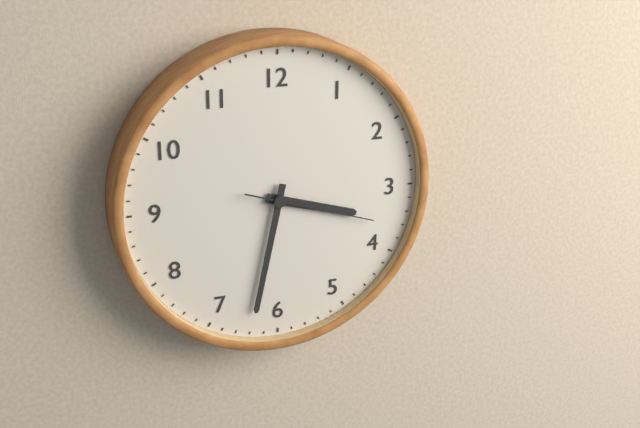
**3:32:18**
